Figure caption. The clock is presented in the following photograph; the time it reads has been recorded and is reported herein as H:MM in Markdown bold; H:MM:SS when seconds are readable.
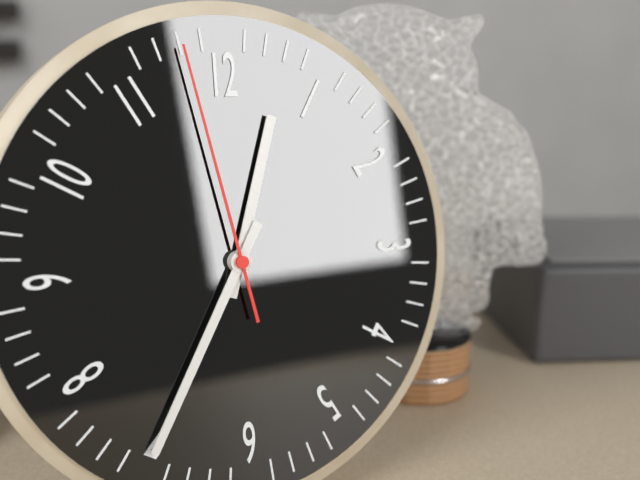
**12:35:58**
